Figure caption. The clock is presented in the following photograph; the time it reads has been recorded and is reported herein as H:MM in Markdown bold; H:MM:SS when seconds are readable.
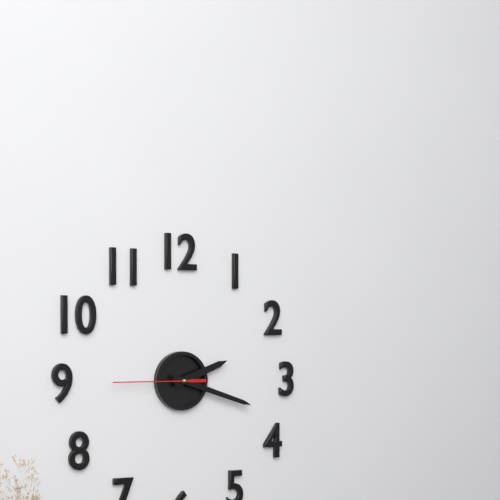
**2:18:45**
